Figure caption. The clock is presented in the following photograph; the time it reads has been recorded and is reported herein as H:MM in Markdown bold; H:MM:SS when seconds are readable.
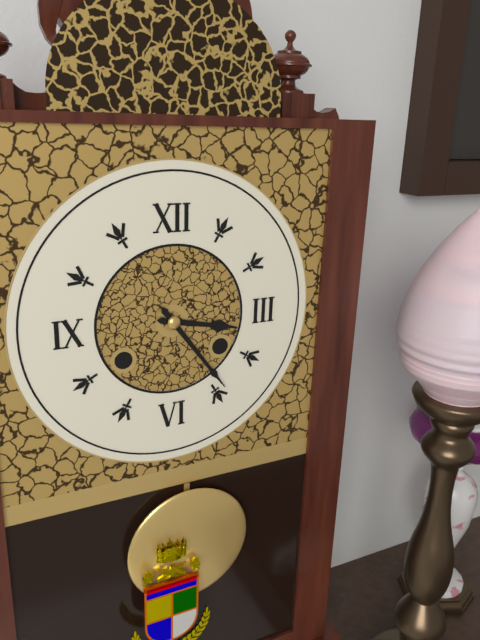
**3:24**
